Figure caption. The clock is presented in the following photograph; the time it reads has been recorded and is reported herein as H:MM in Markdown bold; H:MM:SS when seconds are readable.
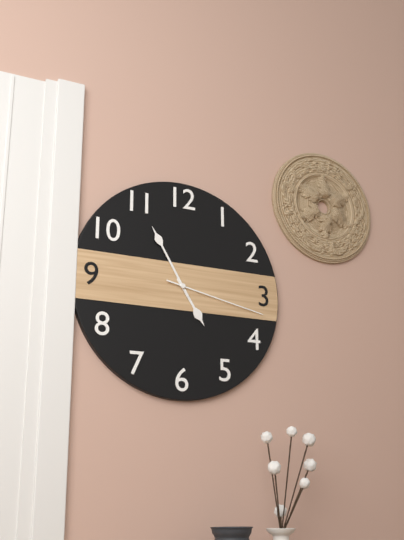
**4:55:17**
